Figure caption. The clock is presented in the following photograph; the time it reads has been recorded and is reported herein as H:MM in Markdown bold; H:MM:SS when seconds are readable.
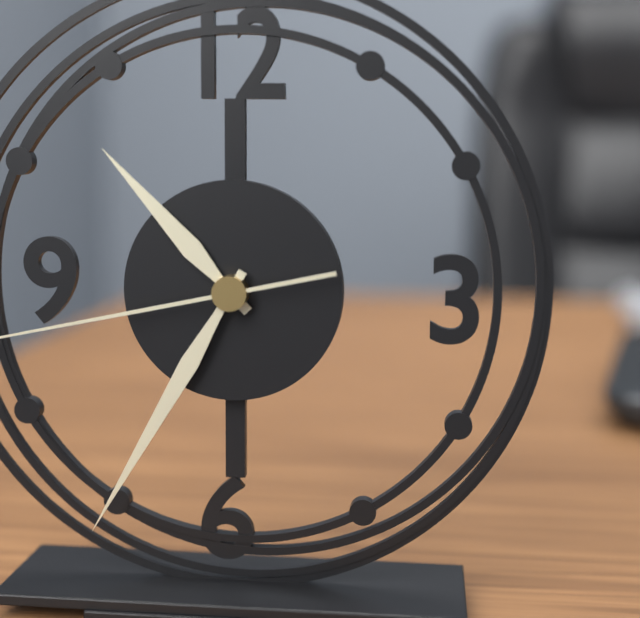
**10:35**
